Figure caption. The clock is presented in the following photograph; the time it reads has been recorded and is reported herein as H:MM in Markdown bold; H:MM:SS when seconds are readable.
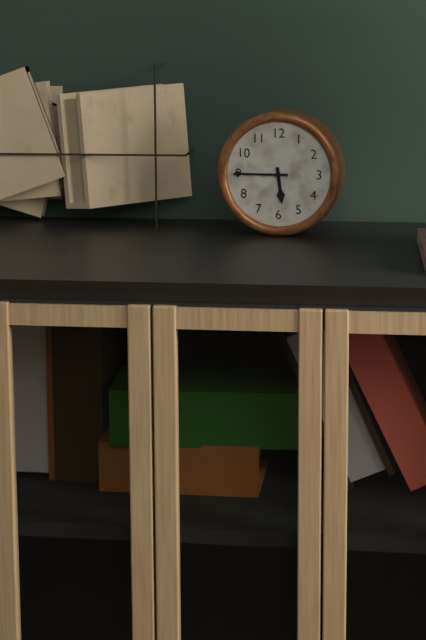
**5:45**
